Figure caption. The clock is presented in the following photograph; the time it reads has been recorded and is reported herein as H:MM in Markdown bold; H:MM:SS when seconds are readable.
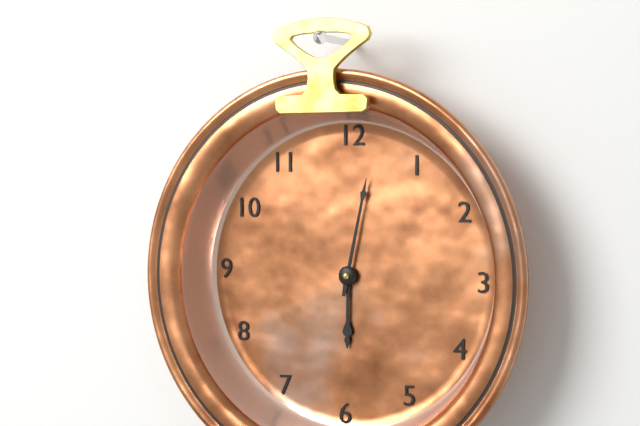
**6:02**
